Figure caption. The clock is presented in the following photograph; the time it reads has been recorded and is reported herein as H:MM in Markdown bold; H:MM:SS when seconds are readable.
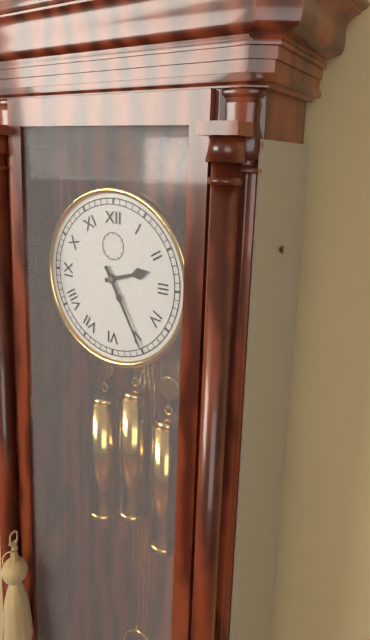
**2:25**
